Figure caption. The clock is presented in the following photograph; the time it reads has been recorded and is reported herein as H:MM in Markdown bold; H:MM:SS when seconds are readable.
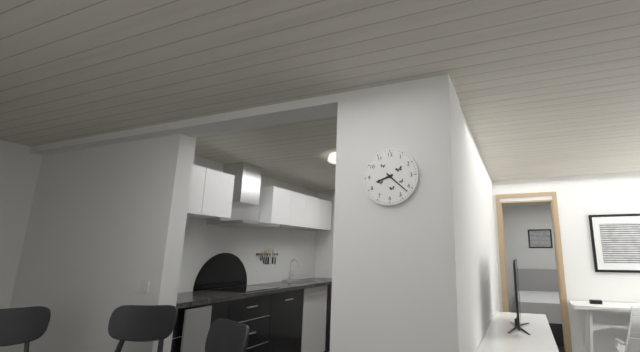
**8:22**
